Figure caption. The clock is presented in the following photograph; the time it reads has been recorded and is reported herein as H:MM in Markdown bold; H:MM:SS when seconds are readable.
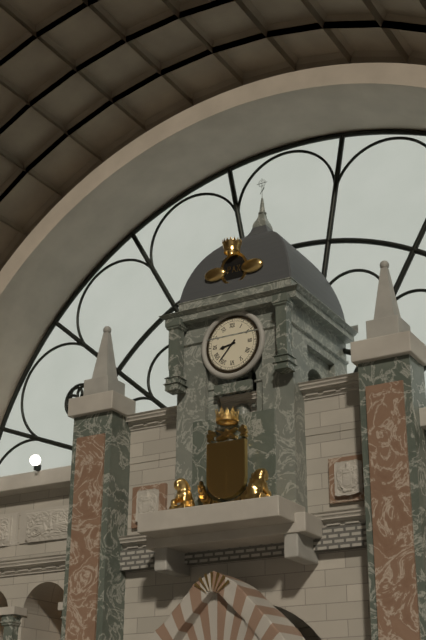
**8:37**
